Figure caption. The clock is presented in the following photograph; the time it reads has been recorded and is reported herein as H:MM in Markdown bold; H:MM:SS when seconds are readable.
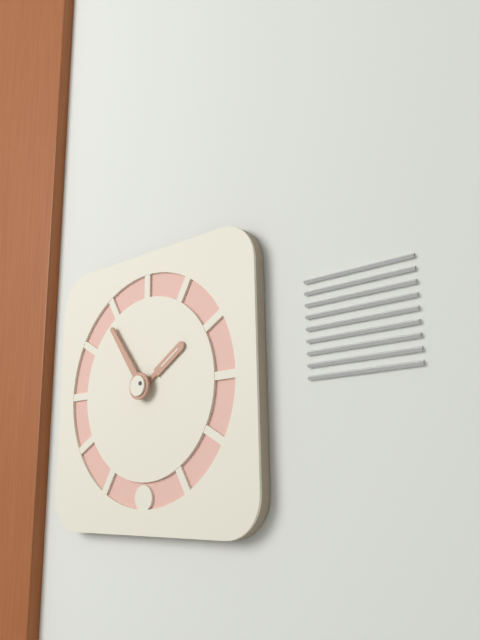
**1:54**
